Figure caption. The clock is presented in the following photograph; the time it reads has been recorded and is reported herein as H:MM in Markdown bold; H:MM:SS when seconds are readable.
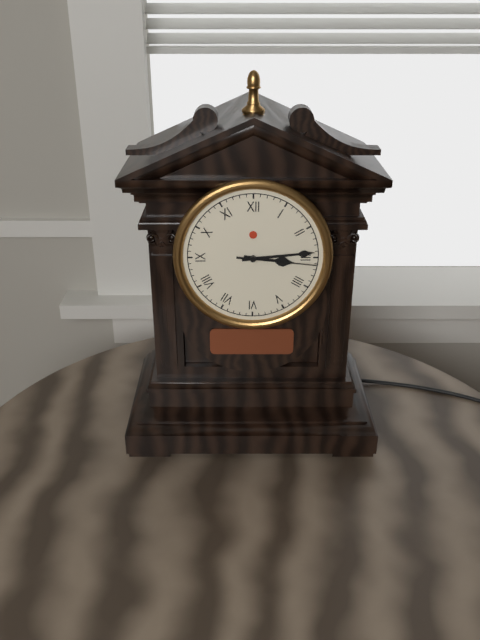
**3:14:16**
